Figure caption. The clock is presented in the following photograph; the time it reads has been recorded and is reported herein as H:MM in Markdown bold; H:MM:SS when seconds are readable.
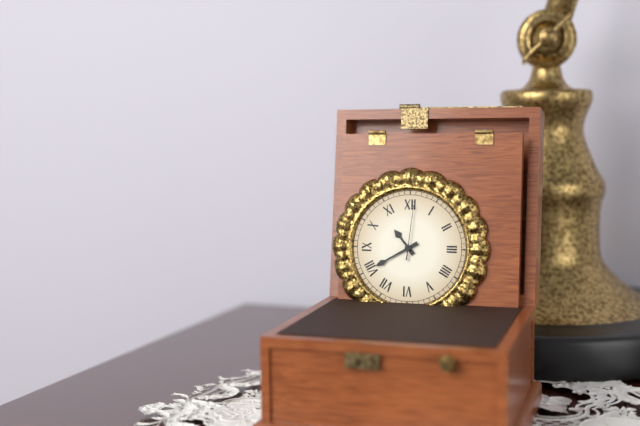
**10:40:01**
